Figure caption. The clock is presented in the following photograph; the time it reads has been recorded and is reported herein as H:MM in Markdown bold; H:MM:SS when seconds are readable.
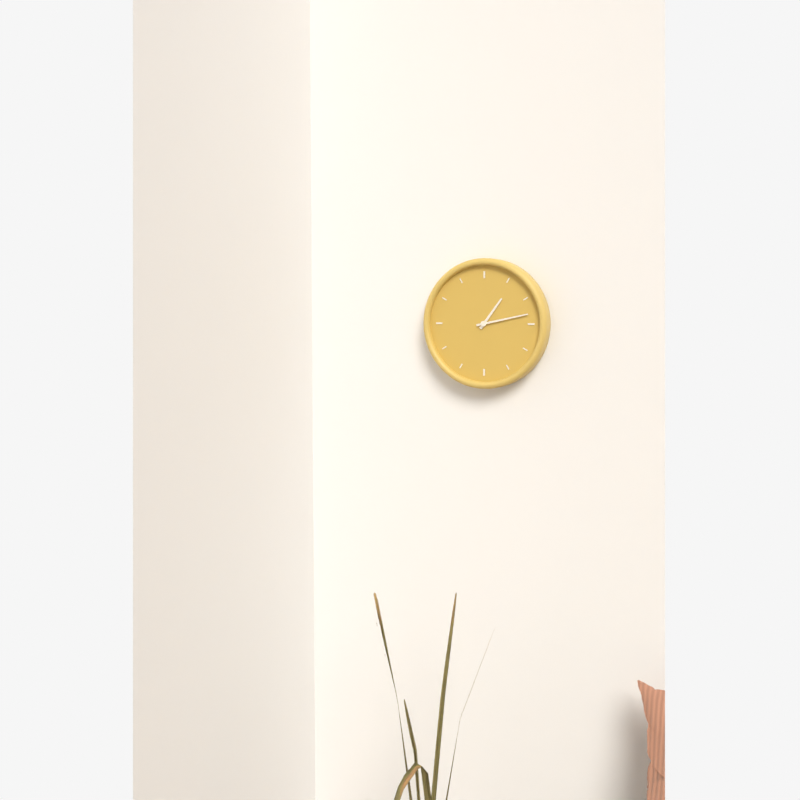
**1:13**
